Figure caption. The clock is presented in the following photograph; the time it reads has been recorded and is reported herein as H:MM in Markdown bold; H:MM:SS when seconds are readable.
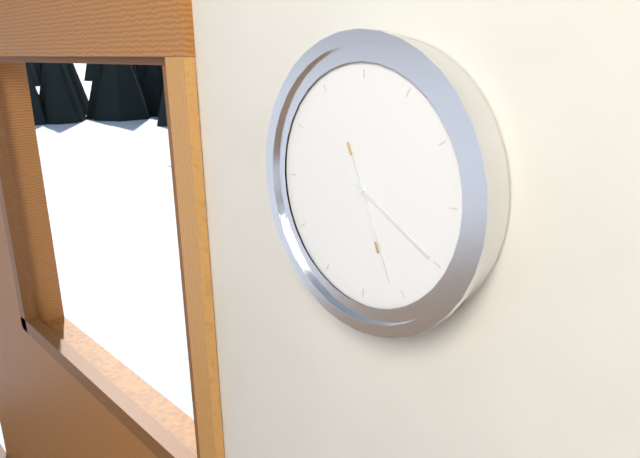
**5:20:26**
